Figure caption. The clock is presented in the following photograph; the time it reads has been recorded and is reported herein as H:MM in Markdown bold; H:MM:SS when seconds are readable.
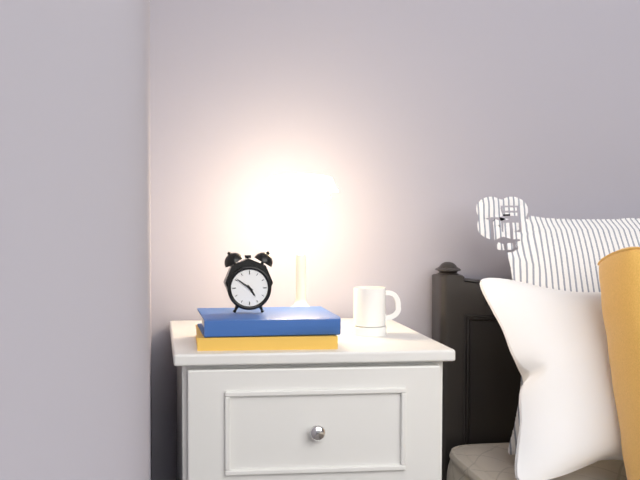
**4:51**
